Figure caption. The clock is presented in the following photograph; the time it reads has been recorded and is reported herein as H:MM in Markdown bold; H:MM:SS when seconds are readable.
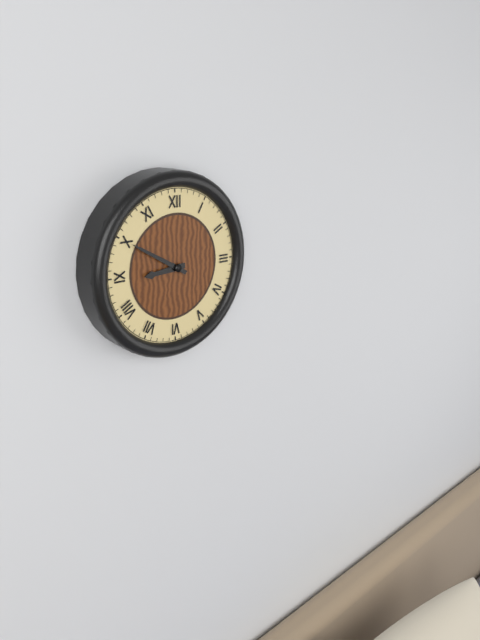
**8:50**
